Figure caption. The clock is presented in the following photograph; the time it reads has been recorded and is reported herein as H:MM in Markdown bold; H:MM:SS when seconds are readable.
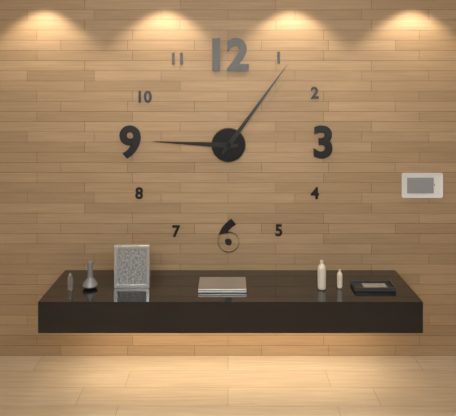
**9:06**
